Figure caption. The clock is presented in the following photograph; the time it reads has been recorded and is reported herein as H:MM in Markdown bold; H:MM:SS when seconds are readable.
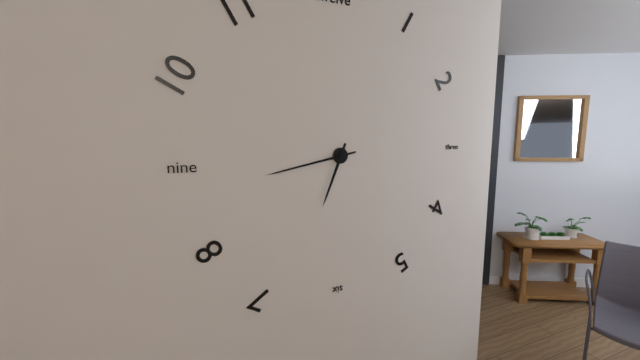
**6:43**
